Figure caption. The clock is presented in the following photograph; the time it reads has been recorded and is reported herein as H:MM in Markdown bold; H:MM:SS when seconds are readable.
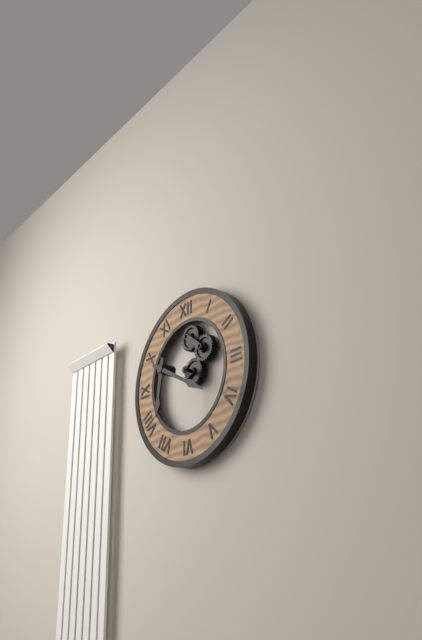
**6:20**
